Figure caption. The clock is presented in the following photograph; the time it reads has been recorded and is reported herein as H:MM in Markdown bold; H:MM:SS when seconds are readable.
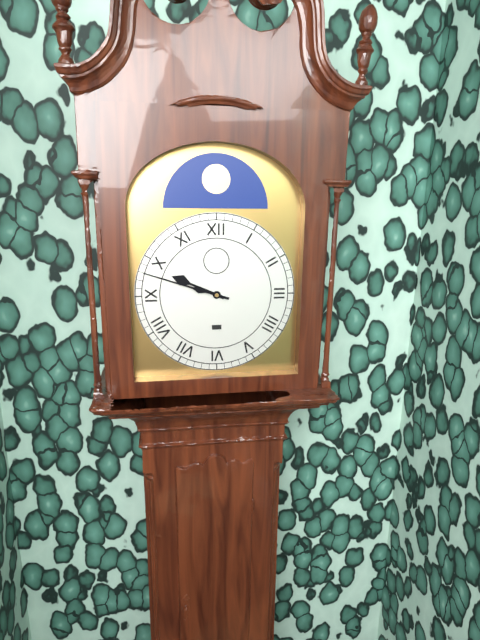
**9:48**
